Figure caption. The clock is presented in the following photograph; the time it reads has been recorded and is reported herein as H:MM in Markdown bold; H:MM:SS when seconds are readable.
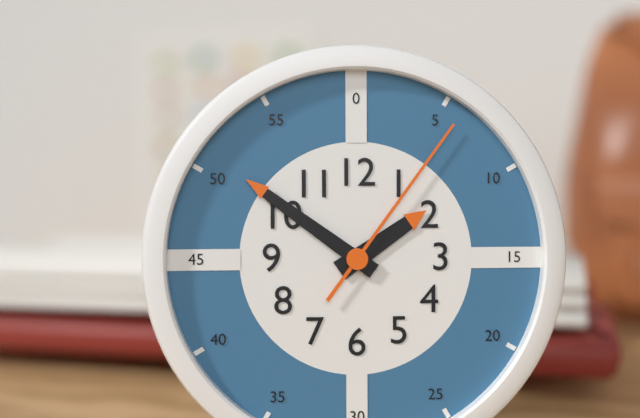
**1:51:06**
